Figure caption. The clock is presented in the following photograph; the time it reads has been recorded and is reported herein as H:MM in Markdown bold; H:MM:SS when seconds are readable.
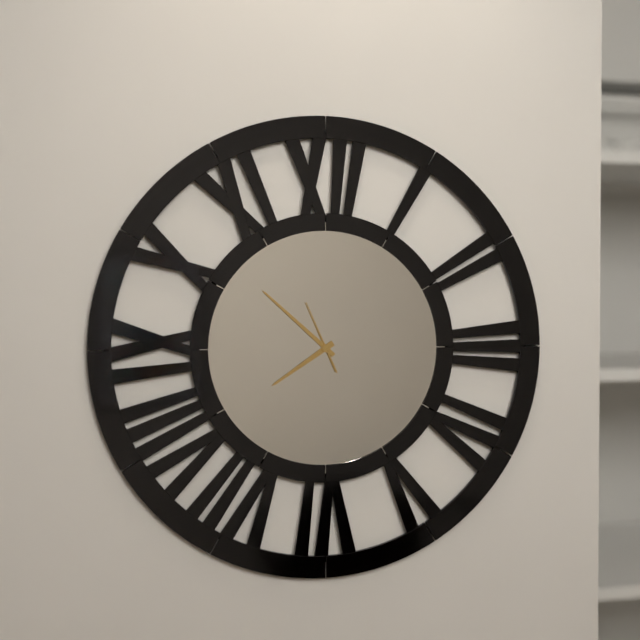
**7:52:56**
